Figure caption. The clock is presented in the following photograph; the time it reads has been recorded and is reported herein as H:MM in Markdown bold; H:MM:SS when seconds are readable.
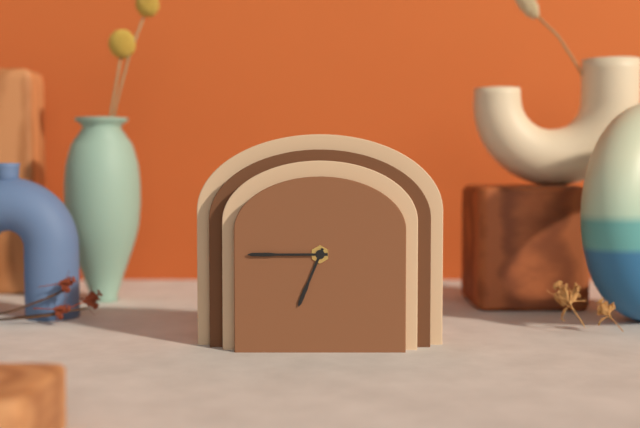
**6:45**
